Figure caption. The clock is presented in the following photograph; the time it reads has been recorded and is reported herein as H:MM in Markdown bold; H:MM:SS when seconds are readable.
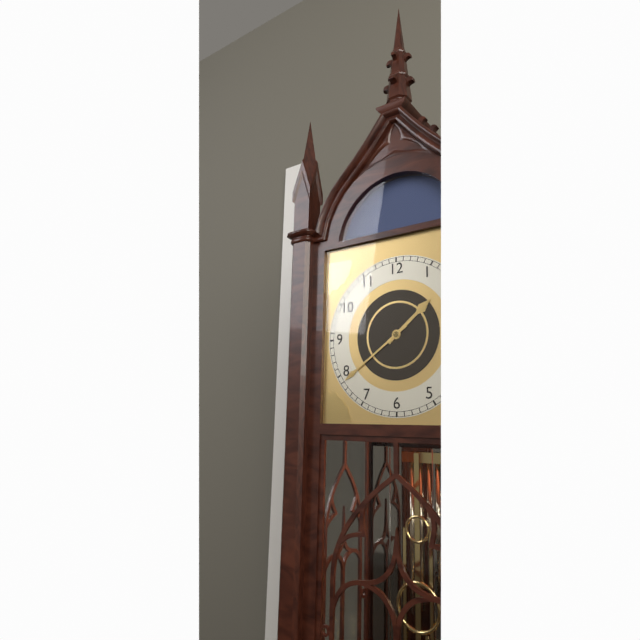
**1:39**
